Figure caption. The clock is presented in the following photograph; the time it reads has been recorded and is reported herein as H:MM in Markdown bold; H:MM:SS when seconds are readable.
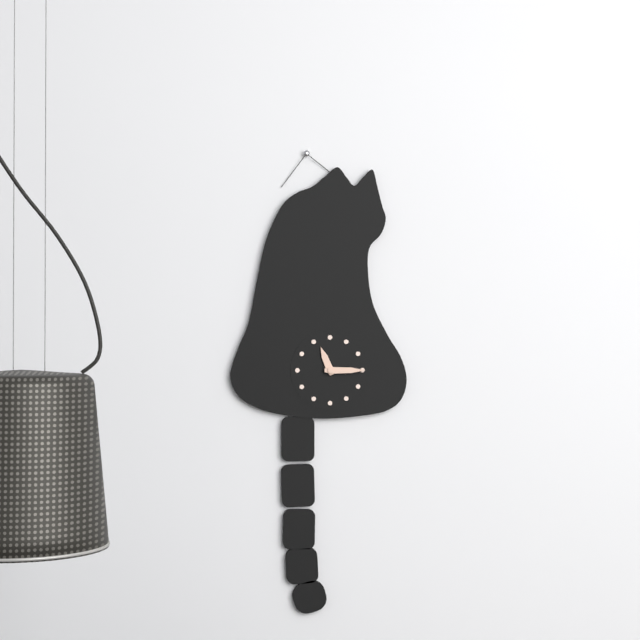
**11:15**
